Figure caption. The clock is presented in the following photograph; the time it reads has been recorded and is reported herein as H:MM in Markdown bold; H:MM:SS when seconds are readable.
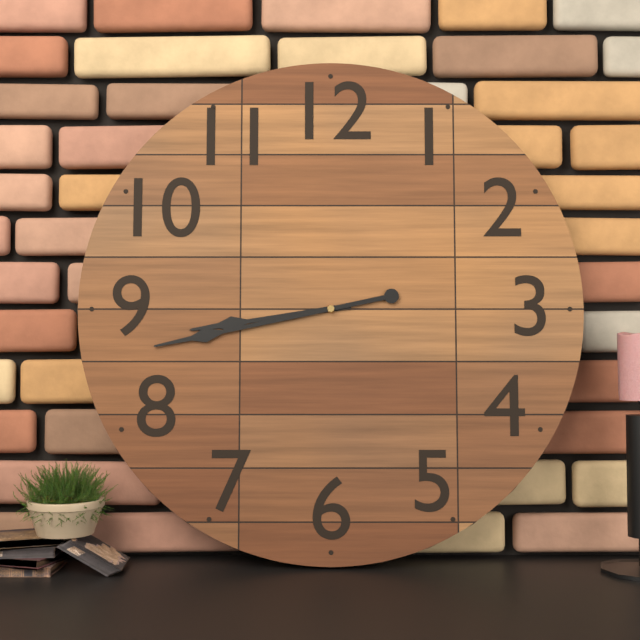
**8:43**
